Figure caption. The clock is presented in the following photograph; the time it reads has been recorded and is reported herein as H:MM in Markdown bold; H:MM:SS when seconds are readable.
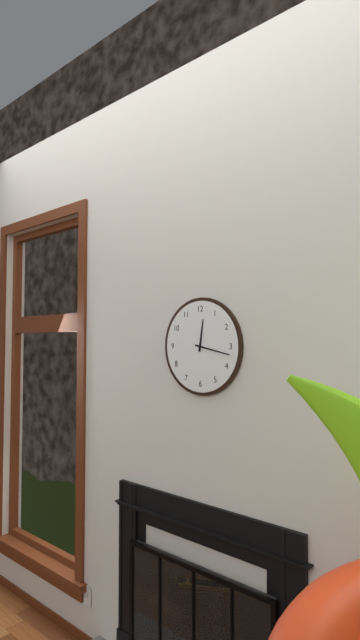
**12:17**
